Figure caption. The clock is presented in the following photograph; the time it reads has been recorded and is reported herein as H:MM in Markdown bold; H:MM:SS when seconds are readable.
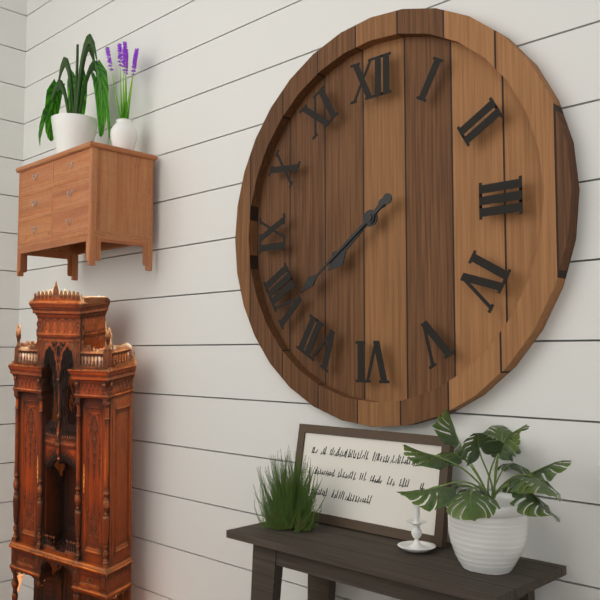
**7:39**
